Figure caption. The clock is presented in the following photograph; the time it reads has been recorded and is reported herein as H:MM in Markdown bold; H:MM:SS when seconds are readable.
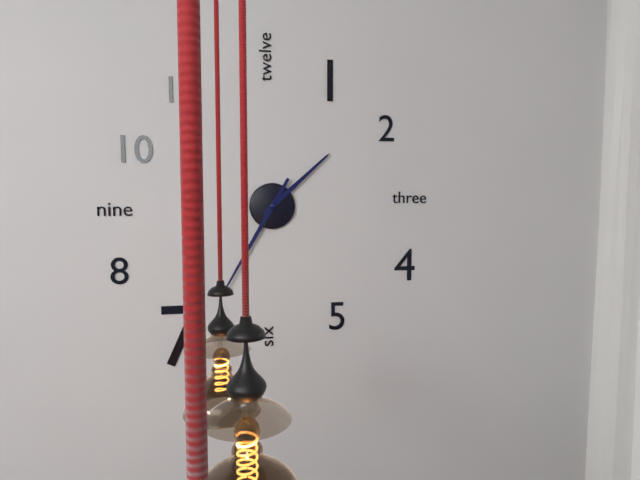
**1:35**
